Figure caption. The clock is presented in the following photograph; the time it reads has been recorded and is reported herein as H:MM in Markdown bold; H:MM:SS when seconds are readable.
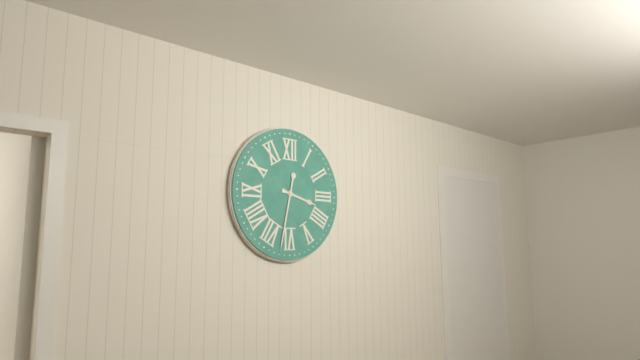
**3:32**
